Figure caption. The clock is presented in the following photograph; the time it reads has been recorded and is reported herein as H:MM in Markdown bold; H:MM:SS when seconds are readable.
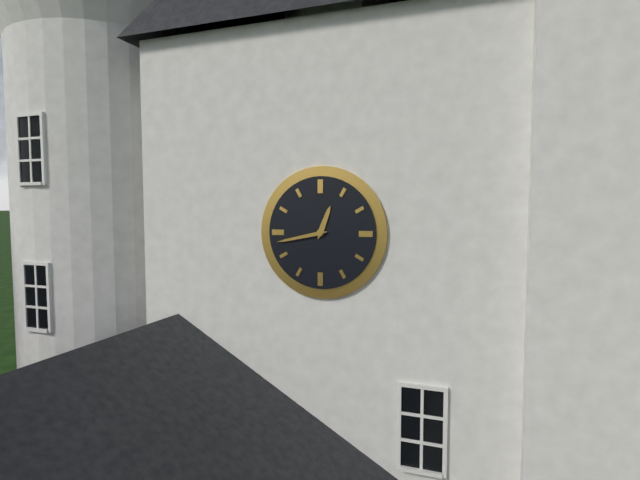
**12:43**
